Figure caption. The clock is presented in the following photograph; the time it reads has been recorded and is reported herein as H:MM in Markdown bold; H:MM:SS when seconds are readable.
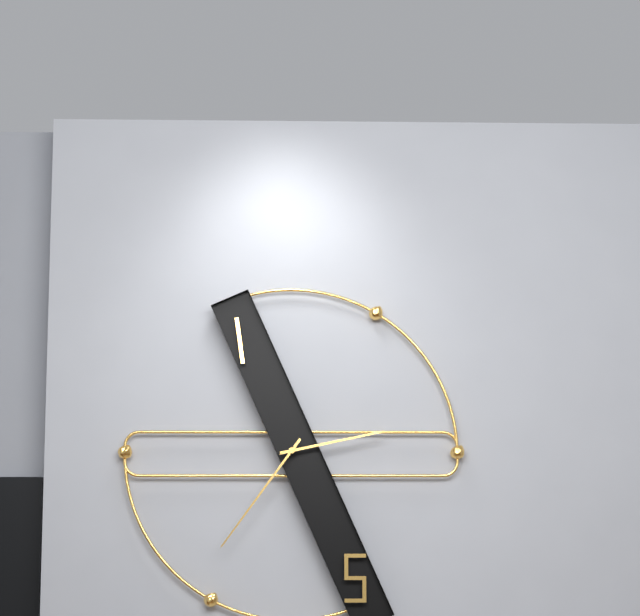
**2:36**
